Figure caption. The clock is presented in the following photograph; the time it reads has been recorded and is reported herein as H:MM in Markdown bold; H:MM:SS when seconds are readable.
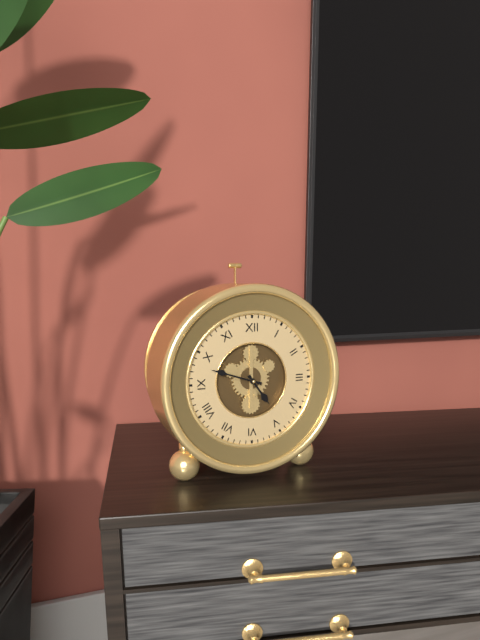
**4:48**
